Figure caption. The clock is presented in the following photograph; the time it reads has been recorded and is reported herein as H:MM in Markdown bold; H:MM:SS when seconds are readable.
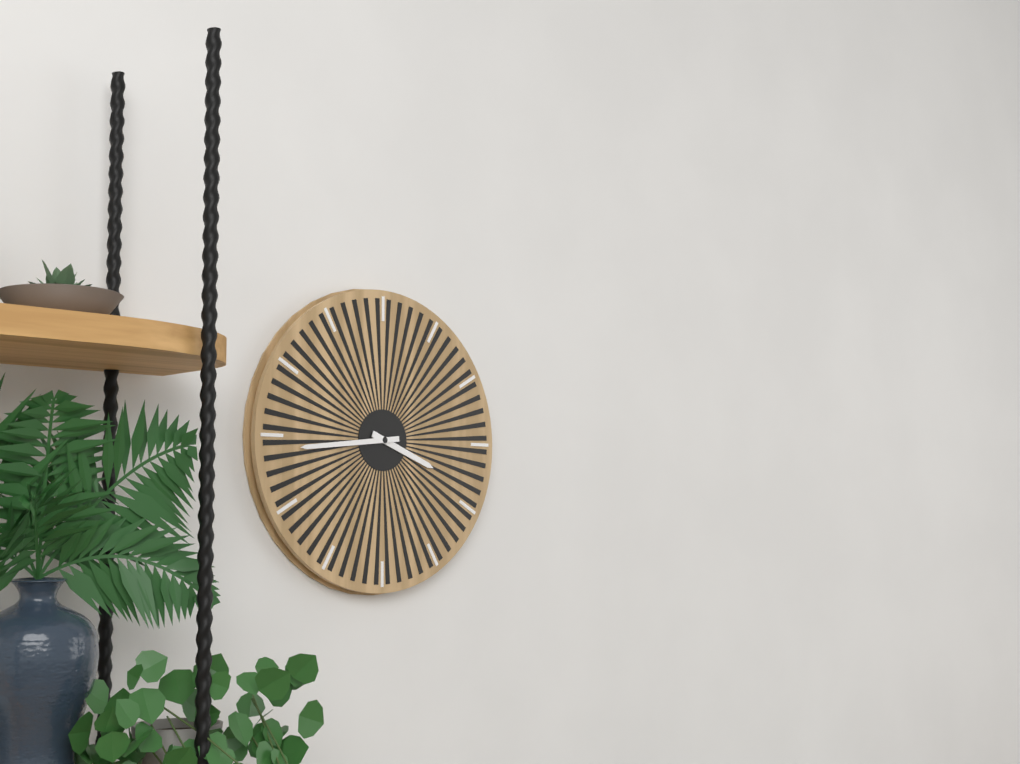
**3:44**
